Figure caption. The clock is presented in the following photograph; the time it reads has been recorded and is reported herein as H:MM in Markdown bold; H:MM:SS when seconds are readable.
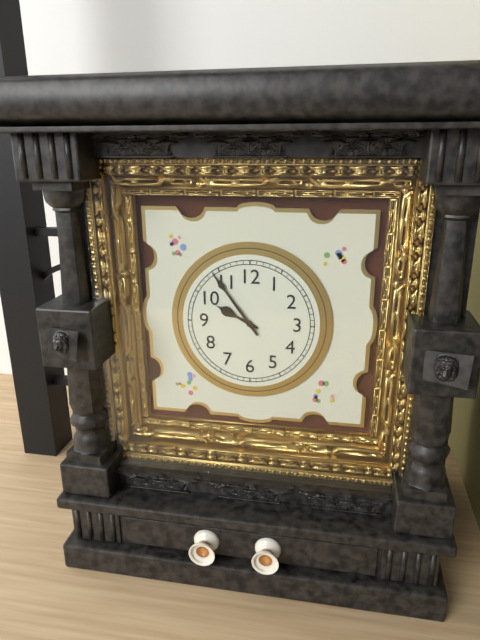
**9:54**
